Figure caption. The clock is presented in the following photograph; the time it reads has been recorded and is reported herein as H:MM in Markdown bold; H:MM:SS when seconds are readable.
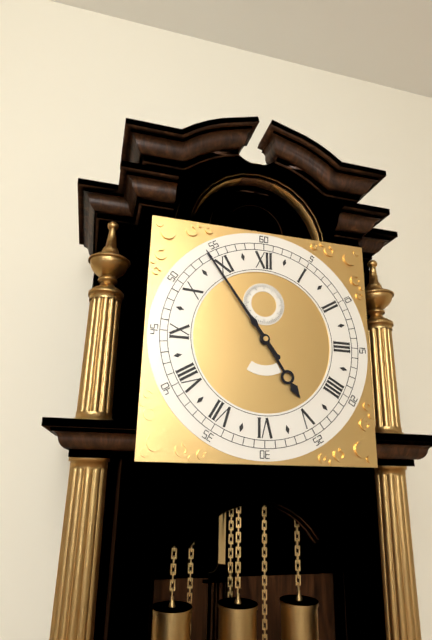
**4:54**
